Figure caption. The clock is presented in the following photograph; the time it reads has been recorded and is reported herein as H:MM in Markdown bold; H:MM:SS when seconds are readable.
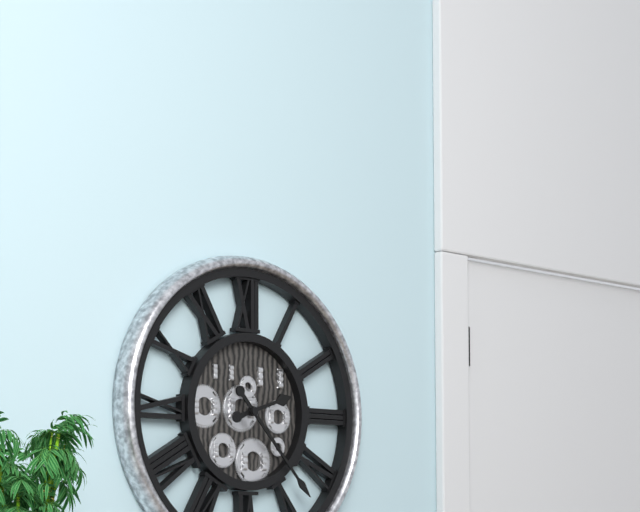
**2:23**
